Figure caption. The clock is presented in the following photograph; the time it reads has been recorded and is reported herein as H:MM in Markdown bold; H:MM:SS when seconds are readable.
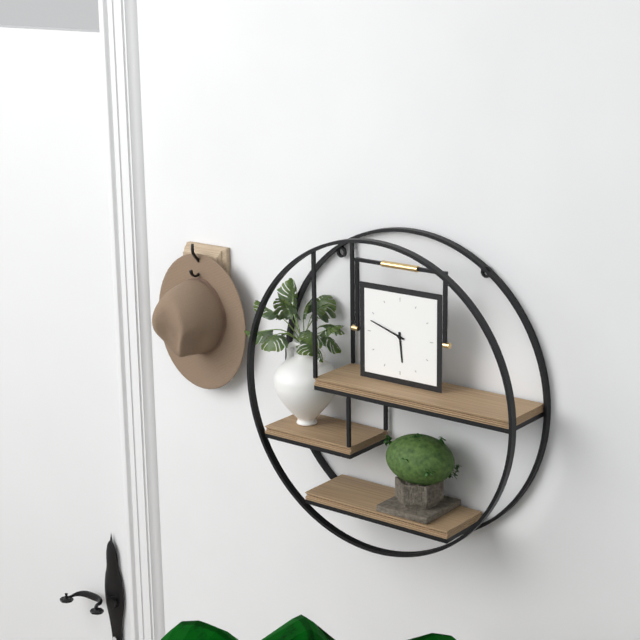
**5:48**
